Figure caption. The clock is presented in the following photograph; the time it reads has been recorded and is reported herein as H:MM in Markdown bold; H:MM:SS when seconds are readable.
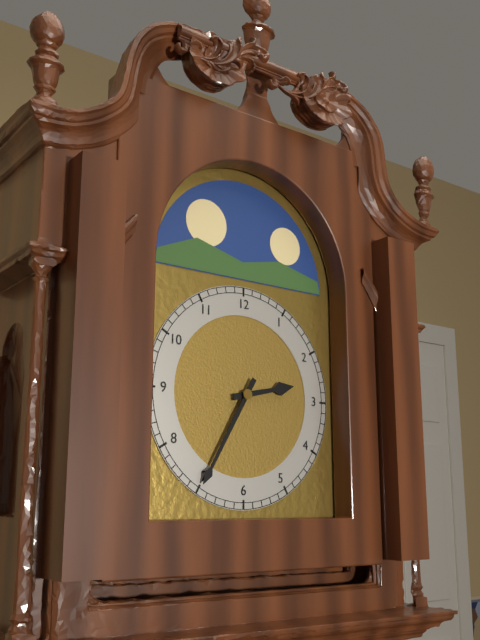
**2:35**
